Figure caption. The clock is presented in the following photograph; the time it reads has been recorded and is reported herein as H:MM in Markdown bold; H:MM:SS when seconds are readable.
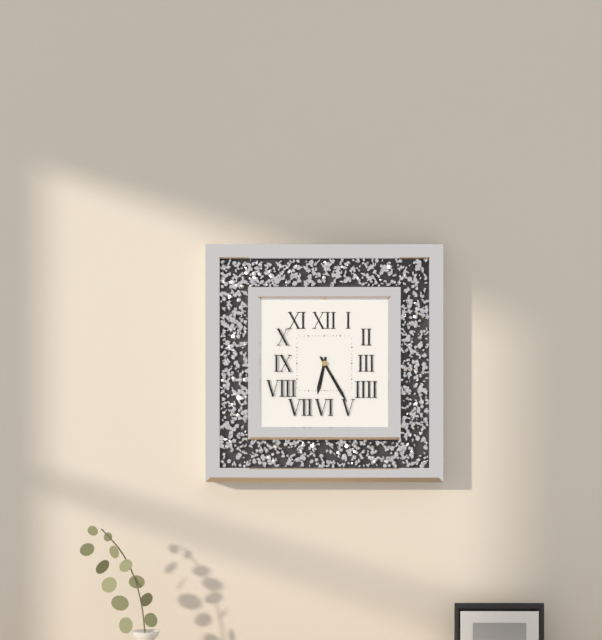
**6:25**
